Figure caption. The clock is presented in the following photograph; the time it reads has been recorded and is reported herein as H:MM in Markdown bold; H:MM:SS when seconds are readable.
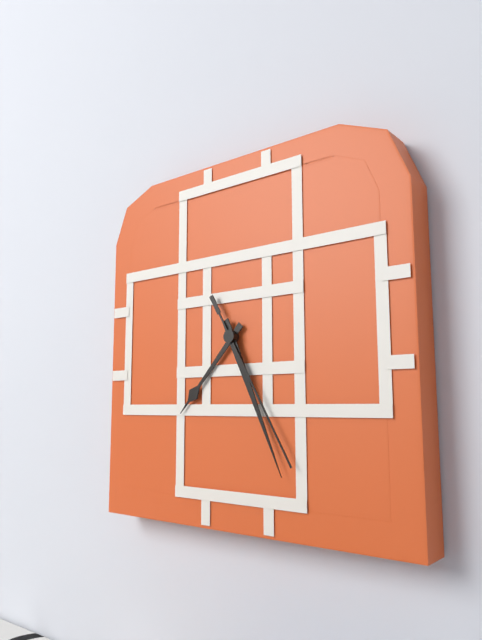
**7:26:25**
